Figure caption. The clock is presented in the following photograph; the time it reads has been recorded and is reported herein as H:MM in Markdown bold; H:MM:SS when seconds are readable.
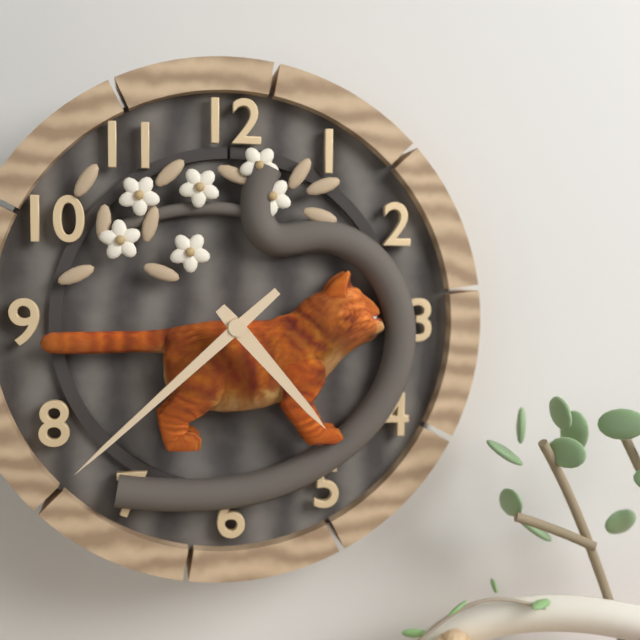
**4:38**
